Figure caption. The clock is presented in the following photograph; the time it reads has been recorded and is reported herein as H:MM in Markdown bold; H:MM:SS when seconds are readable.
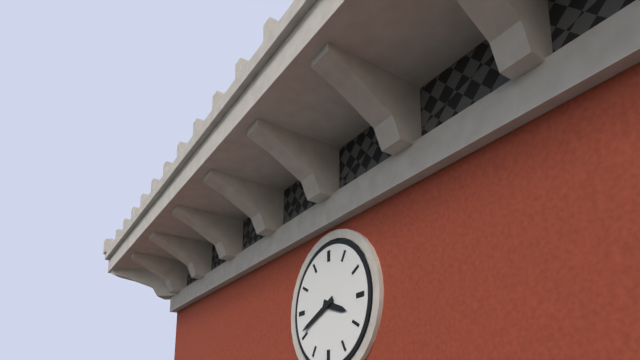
**3:41**
